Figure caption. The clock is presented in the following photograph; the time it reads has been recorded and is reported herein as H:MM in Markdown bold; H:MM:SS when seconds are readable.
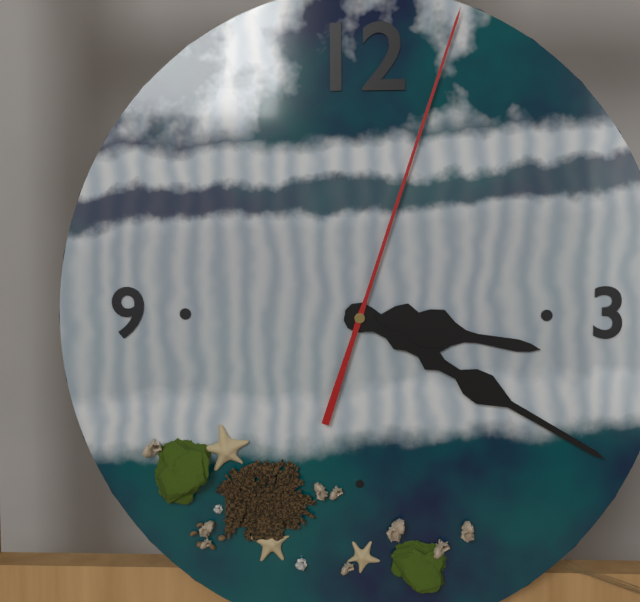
**3:20:03**
